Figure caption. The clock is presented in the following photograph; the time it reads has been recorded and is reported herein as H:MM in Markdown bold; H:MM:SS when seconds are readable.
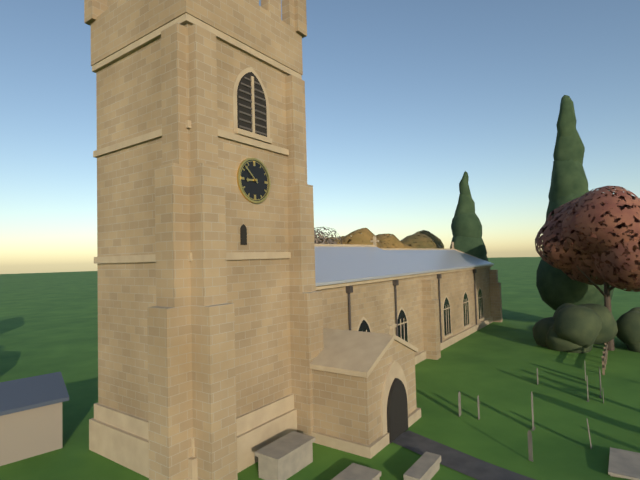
**8:52**
